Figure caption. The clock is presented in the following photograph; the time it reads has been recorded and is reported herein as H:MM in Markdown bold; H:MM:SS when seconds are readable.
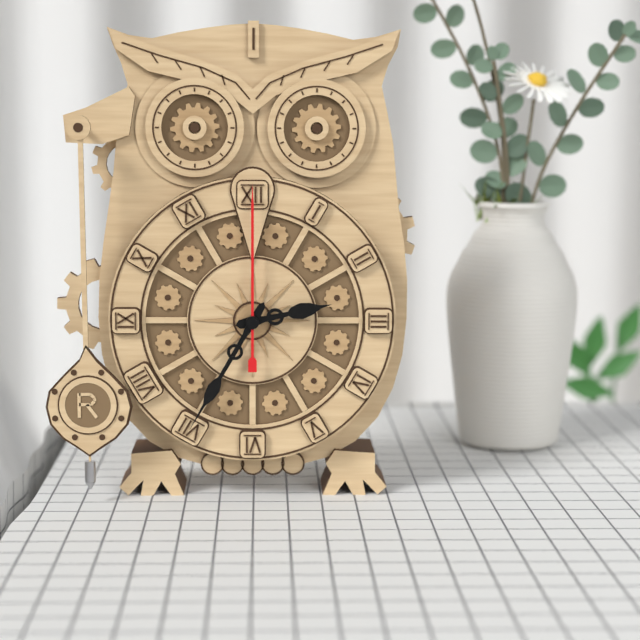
**2:35:00**
